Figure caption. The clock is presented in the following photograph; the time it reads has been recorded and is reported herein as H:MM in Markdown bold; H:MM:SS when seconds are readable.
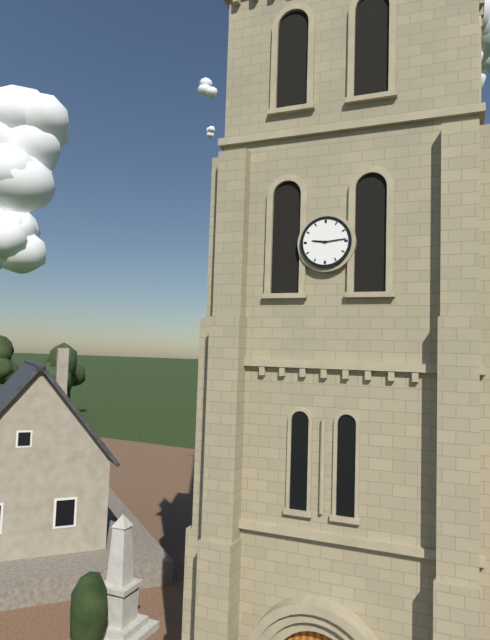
**9:14**
